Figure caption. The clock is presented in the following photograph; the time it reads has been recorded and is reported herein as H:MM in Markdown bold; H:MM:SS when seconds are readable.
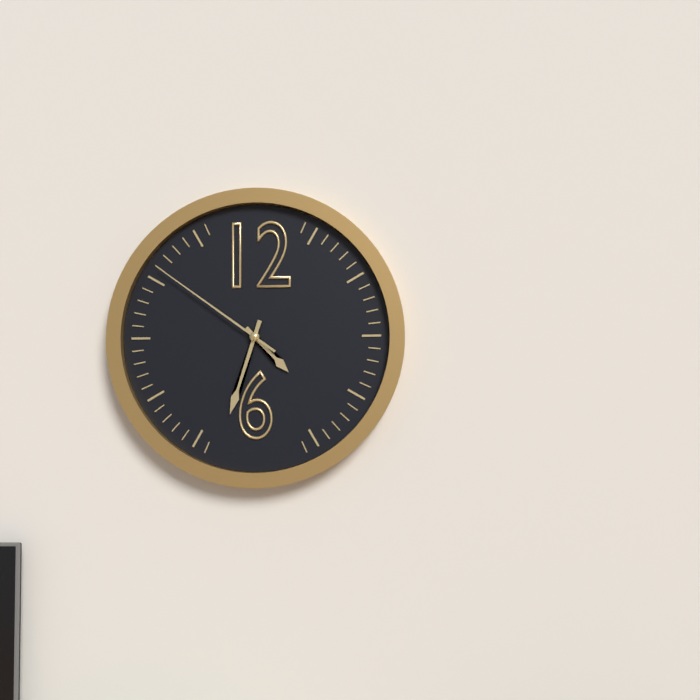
**4:33:51**
